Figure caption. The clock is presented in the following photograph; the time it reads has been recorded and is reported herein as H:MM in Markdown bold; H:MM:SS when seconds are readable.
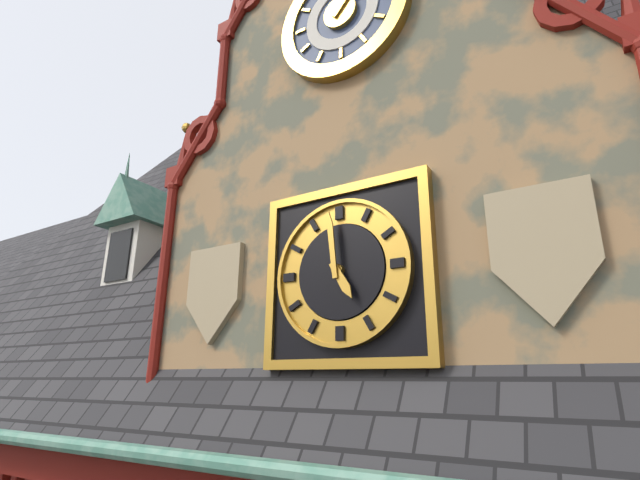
**4:59**
